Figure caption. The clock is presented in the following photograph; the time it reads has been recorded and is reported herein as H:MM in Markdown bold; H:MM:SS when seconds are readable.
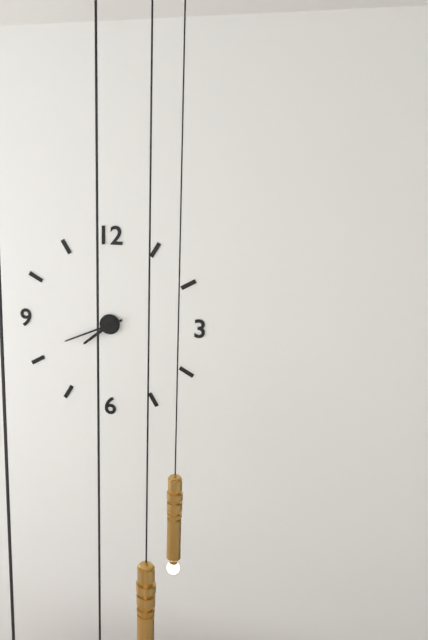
**7:41**
